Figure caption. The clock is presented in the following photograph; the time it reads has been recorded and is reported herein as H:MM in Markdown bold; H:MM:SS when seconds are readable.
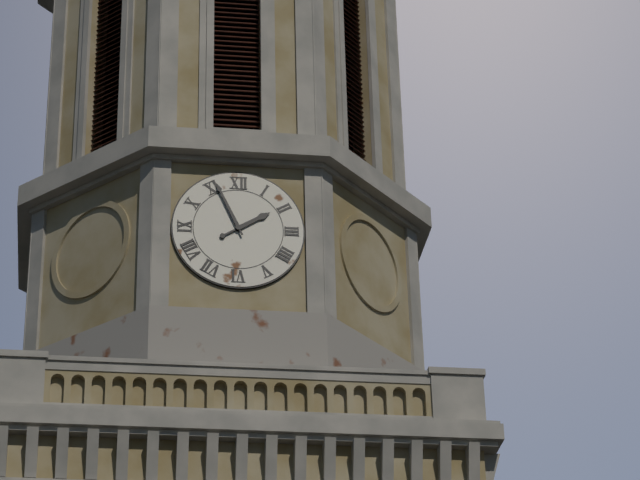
**1:56**
